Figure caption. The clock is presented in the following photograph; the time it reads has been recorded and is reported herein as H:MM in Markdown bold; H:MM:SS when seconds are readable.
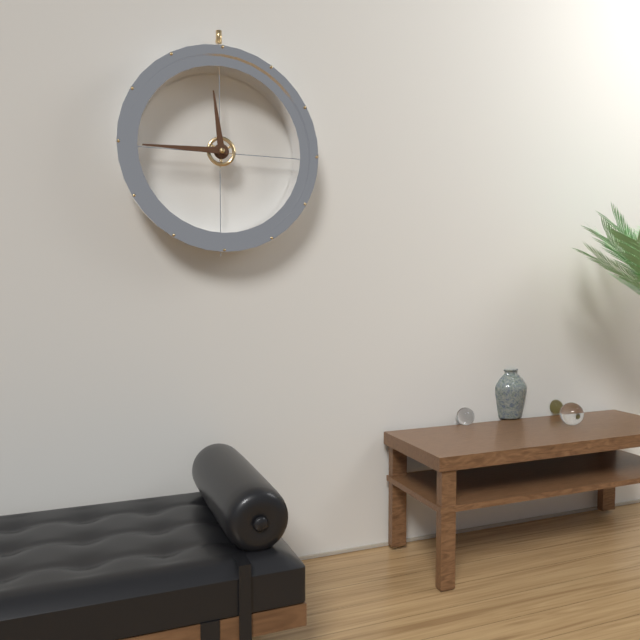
**11:45**
